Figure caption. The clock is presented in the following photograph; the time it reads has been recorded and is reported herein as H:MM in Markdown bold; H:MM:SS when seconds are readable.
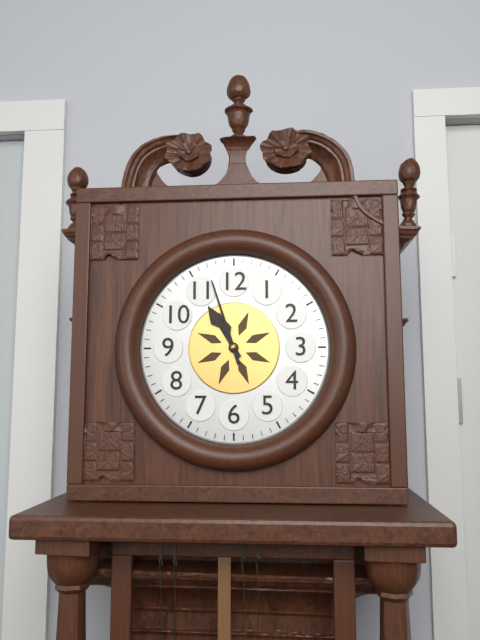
**10:57**
